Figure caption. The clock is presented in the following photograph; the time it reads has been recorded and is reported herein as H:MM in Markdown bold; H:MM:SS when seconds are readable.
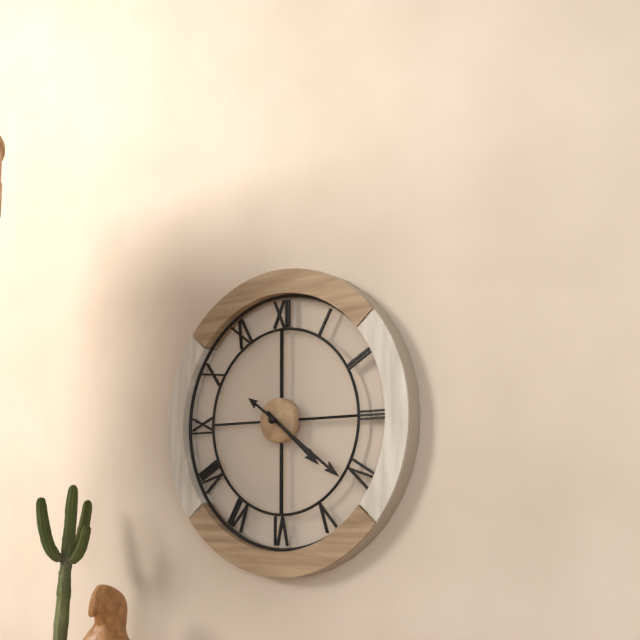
**4:21**
